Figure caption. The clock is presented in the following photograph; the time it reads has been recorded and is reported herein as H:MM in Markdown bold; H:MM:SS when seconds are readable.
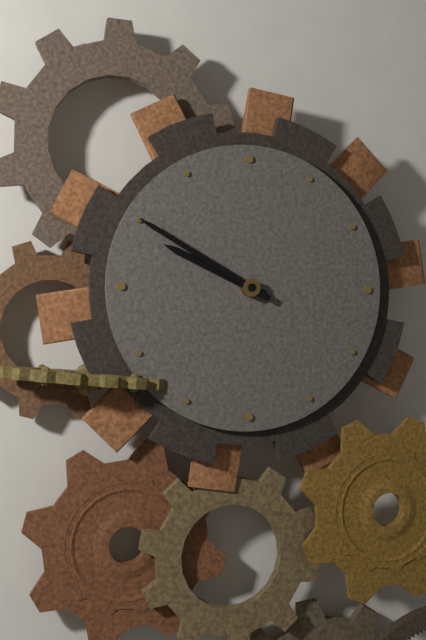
**9:50**
